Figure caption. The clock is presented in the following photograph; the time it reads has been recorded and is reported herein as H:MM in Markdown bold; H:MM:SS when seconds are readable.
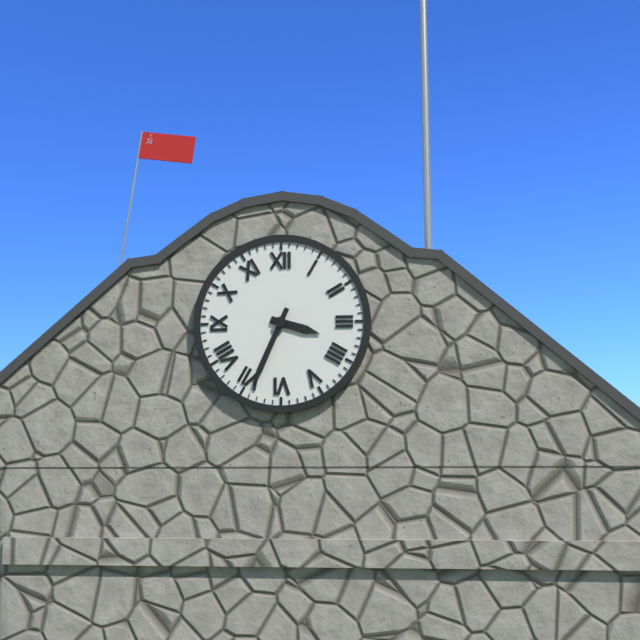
**3:34**
